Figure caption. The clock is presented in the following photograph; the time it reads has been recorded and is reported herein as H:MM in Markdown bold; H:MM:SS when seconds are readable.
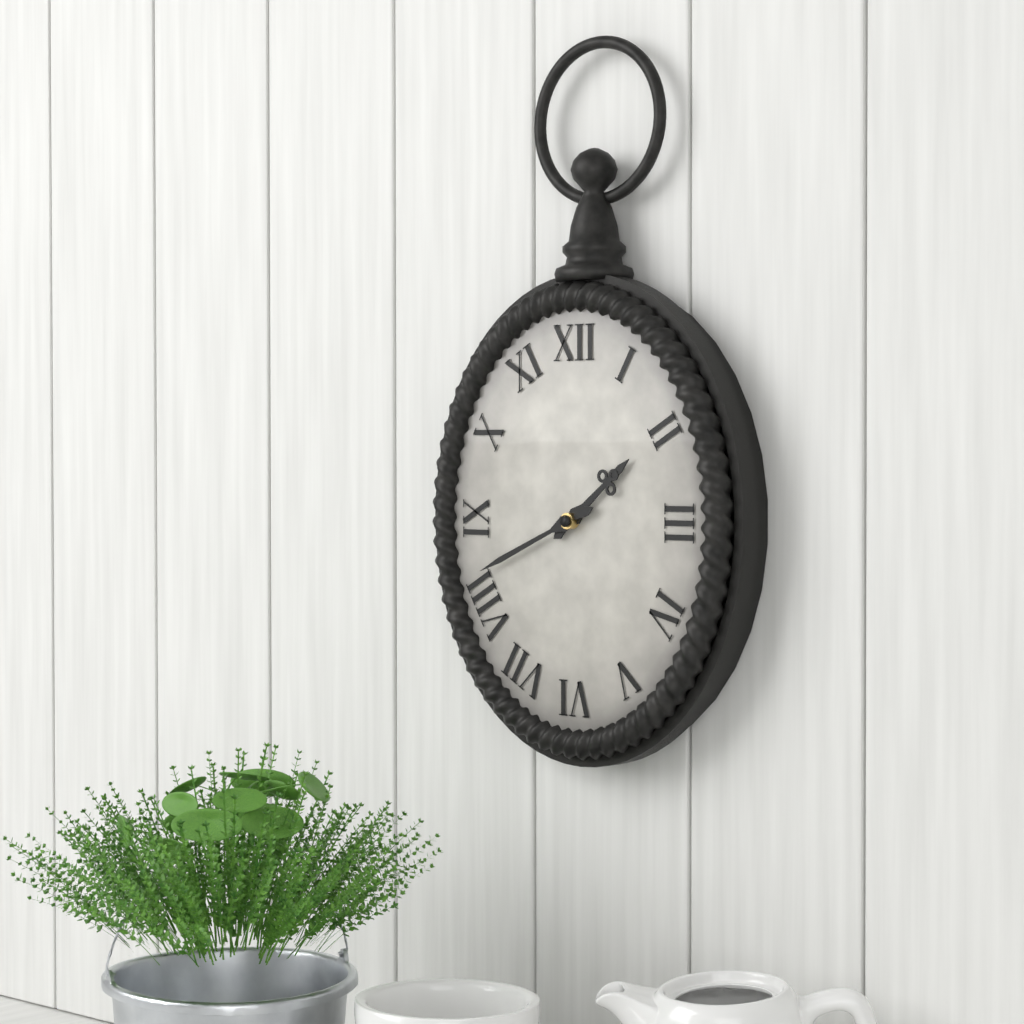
**1:41**
